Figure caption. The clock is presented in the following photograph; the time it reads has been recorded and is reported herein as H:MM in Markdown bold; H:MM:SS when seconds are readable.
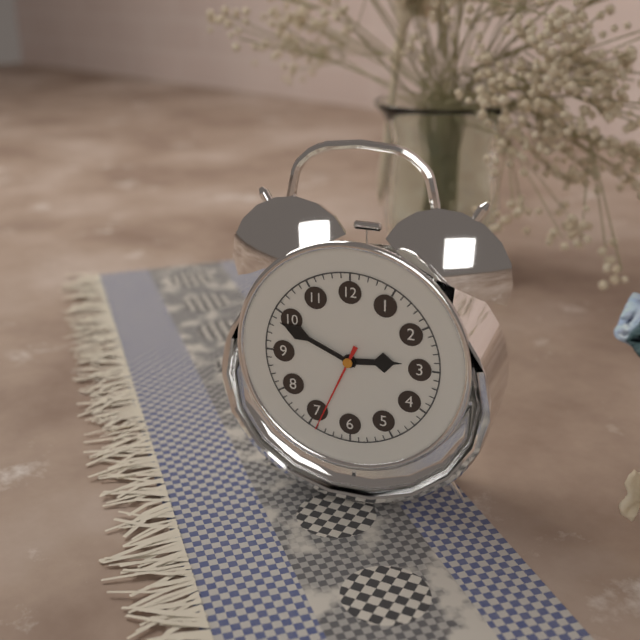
**2:49:34**
